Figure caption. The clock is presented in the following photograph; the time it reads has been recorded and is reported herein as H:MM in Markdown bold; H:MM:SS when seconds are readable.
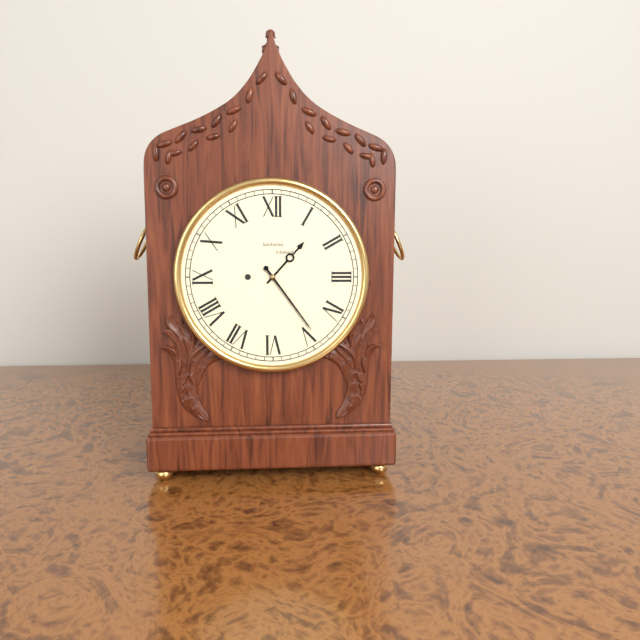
**1:24**
